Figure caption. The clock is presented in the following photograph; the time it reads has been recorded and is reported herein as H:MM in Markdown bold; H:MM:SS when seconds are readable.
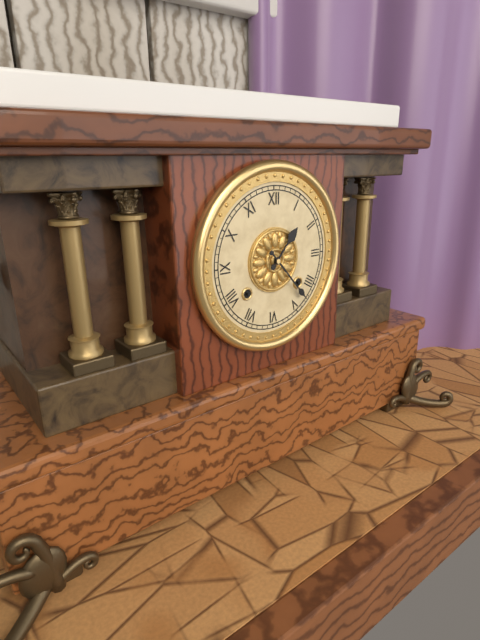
**1:23**
